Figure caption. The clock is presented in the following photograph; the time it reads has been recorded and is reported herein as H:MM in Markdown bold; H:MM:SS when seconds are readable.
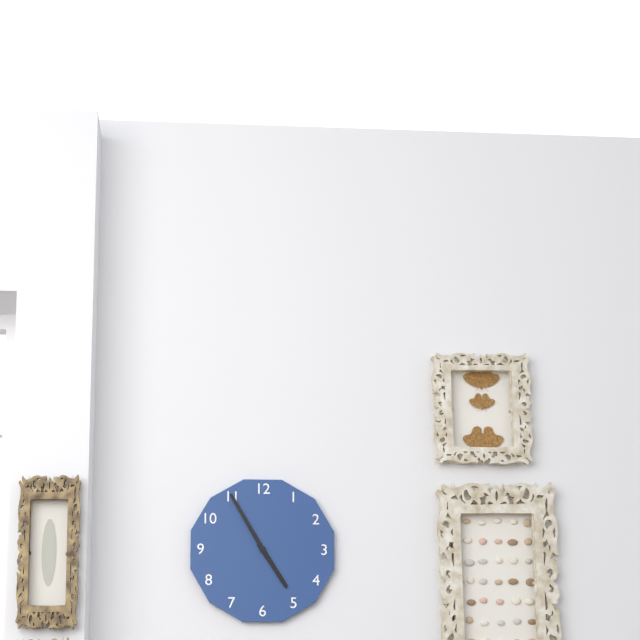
**4:55**
